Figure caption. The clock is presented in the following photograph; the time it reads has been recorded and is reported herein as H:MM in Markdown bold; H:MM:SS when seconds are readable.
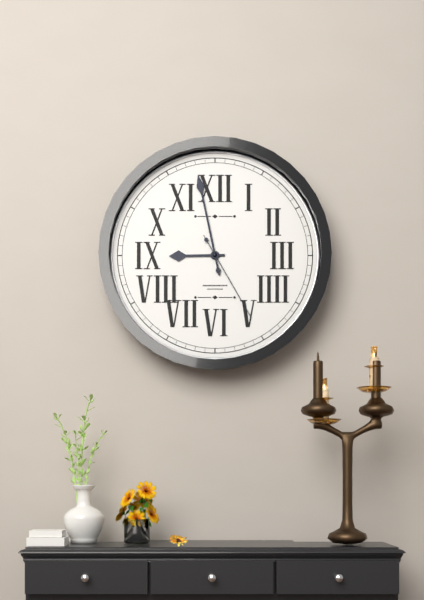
**8:58:25**
